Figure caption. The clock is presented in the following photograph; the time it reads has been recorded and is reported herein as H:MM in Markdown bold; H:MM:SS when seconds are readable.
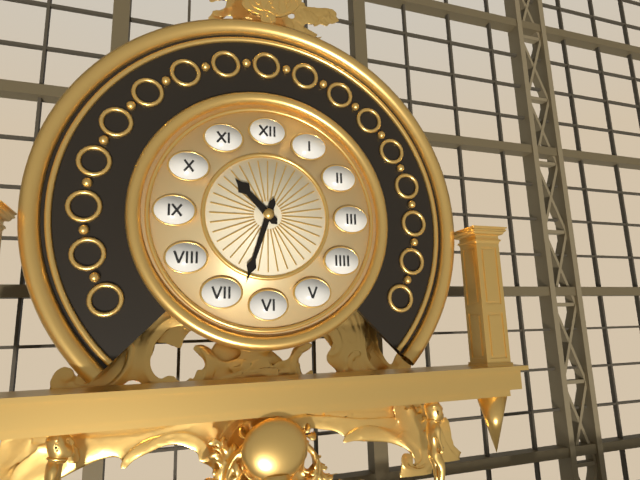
**10:33**
